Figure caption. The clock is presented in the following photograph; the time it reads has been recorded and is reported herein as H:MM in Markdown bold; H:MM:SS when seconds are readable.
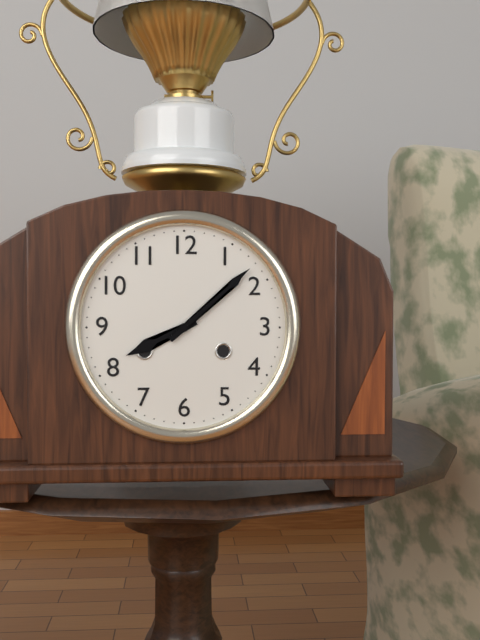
**8:08**
